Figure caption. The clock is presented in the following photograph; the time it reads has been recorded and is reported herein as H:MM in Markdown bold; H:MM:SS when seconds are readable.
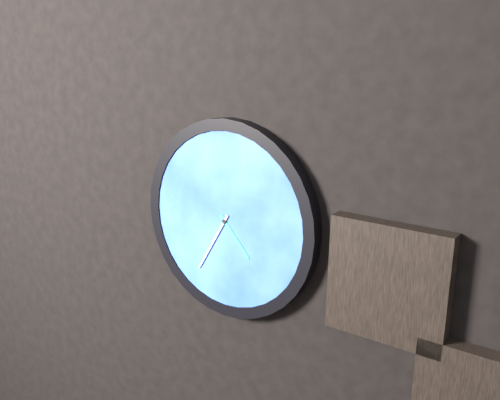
**4:35**
